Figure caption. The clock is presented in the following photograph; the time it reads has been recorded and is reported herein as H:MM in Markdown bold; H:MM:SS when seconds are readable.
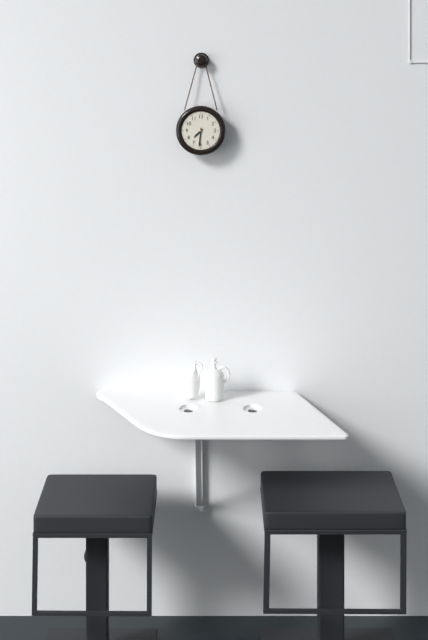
**7:31**
